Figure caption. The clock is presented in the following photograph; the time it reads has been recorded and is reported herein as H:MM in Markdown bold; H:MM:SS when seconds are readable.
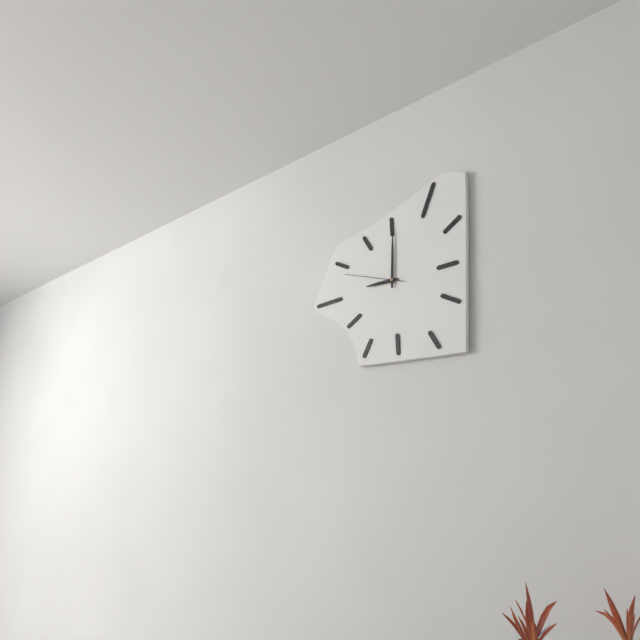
**9:00:48**
